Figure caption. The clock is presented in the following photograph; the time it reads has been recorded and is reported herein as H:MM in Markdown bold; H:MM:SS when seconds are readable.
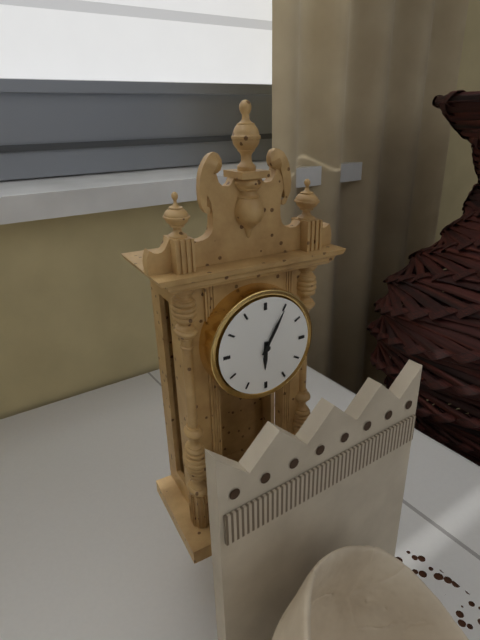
**6:05**
